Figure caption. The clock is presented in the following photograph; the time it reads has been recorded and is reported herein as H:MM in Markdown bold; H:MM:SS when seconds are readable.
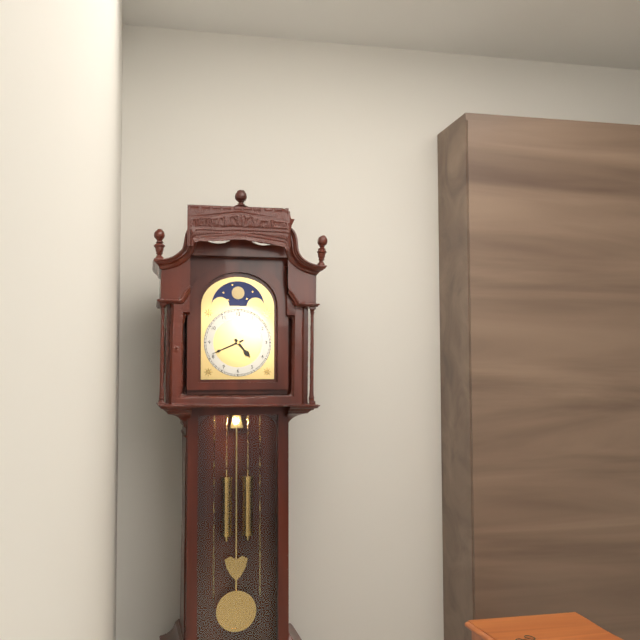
**4:41**
